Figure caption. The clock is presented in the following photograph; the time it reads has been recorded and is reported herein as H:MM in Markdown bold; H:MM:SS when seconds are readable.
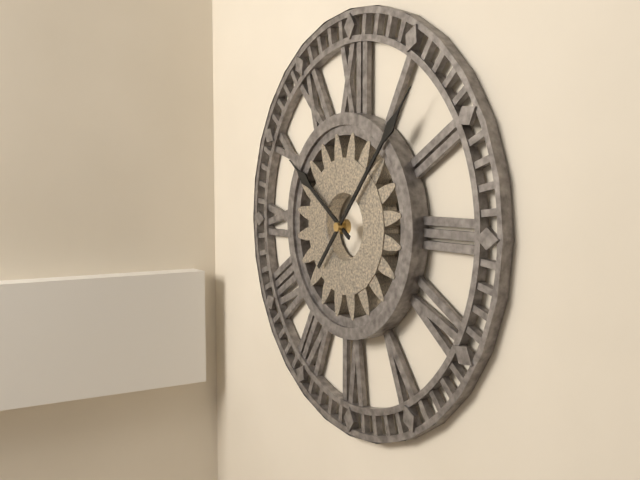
**10:07**
